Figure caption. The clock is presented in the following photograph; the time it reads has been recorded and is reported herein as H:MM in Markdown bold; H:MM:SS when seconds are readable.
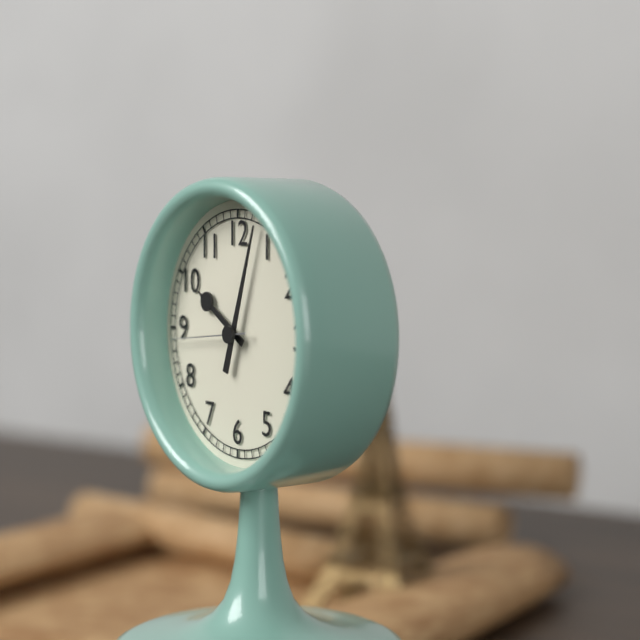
**10:03:44**
